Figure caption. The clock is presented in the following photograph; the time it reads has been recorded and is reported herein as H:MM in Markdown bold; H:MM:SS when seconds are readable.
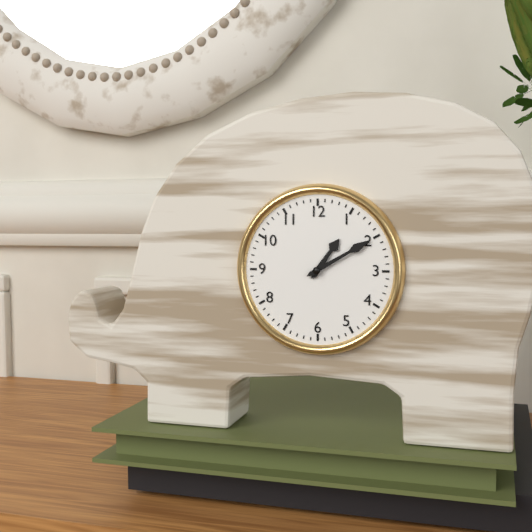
**1:10**
